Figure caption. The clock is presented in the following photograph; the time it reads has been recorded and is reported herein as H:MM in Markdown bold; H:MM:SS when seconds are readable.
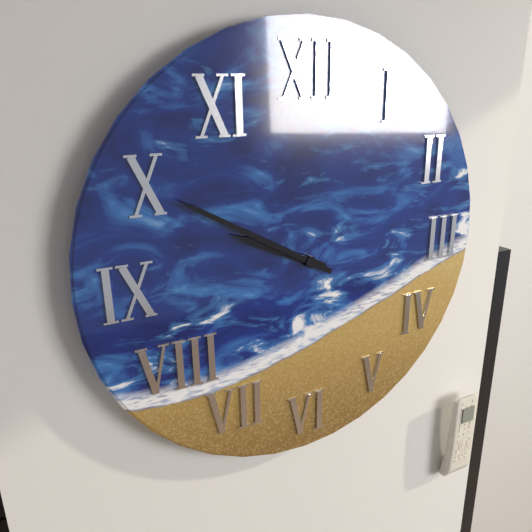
**9:50**
